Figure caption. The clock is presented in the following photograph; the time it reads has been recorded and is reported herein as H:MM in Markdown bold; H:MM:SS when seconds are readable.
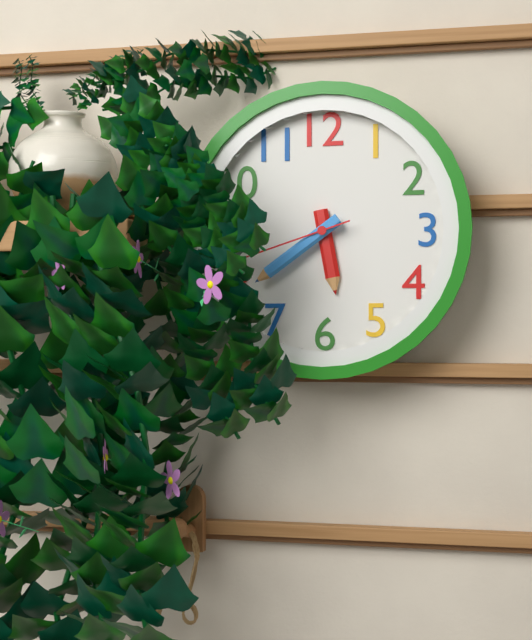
**5:39**
